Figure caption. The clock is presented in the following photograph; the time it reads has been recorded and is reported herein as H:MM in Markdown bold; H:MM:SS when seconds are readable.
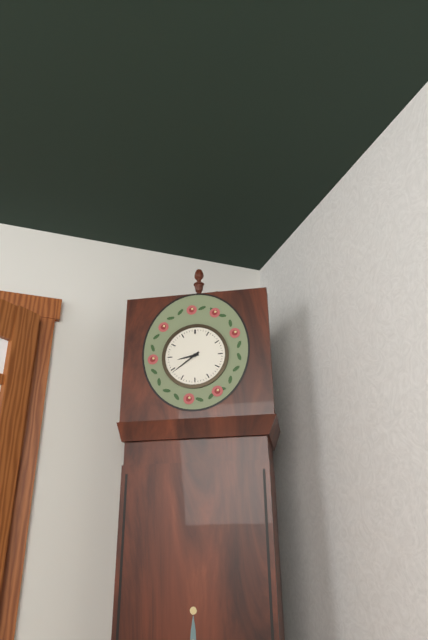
**8:39**
